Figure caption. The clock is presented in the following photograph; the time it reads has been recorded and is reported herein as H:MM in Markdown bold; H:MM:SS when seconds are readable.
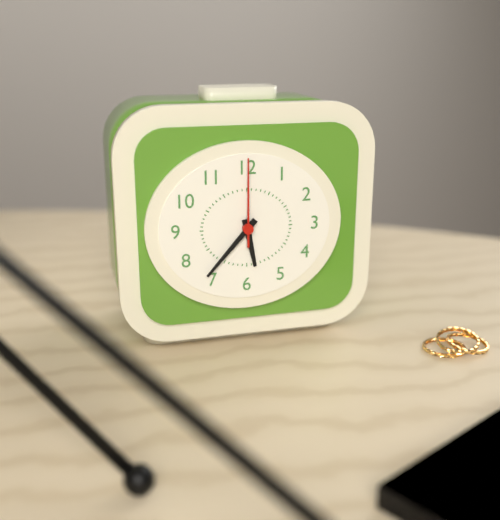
**5:37:00**
